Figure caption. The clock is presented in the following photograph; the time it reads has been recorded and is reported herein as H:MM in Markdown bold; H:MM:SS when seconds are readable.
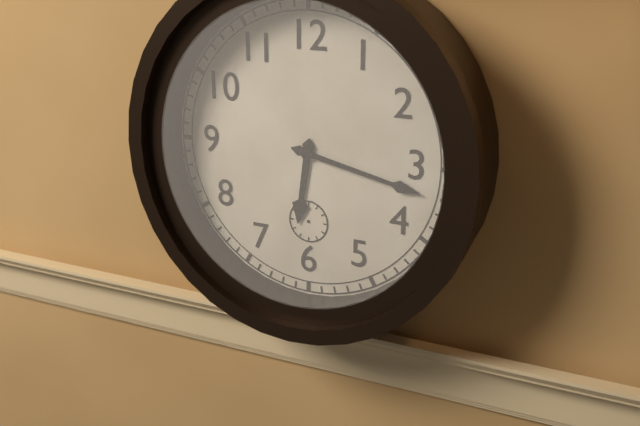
**6:17**
